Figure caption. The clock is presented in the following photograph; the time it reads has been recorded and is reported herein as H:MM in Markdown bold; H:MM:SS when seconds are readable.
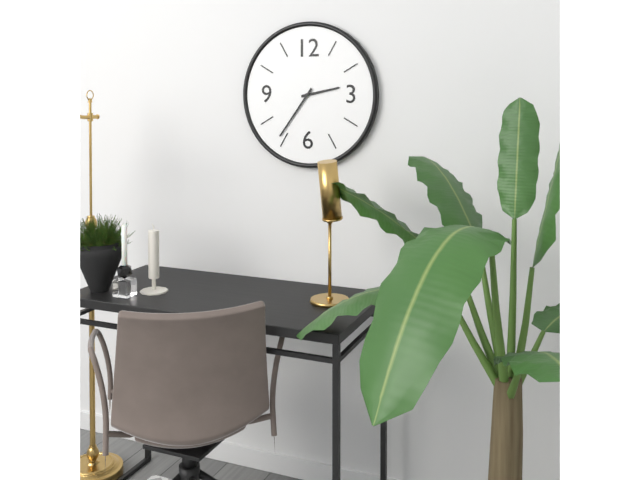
**2:36**
